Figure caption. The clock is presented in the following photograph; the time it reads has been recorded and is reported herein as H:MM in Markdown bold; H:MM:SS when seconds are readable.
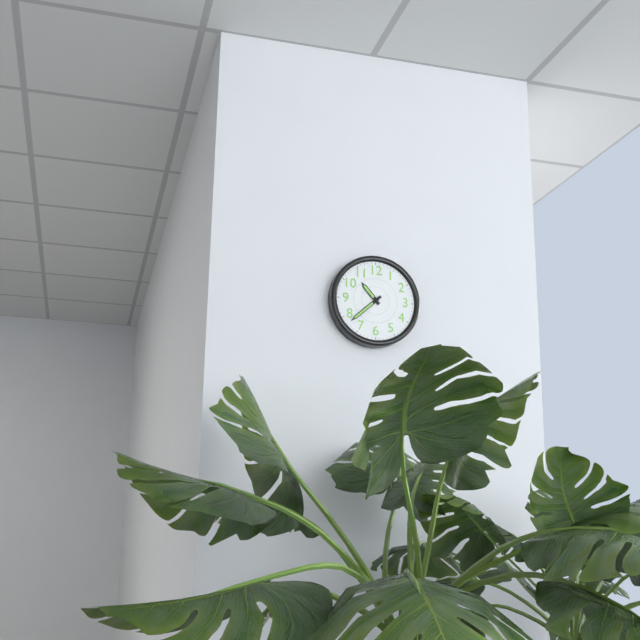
**10:38**
